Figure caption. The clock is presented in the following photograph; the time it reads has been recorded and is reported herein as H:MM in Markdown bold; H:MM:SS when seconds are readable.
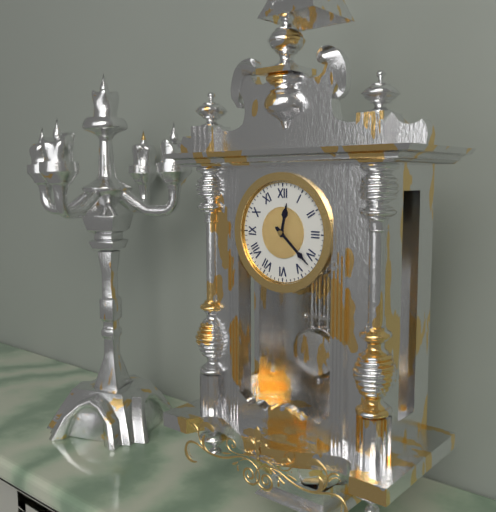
**12:22**
